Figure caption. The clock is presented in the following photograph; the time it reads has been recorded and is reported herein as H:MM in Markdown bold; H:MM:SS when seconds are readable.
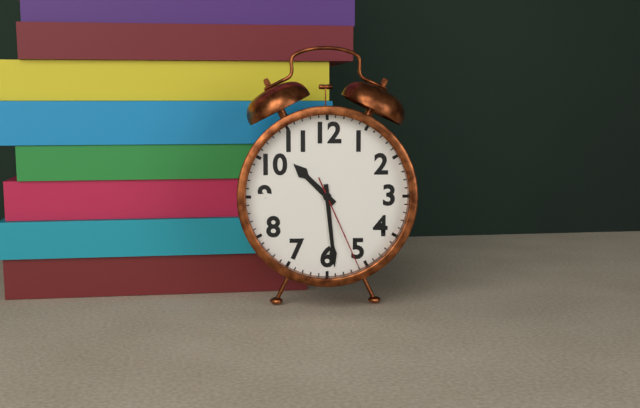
**10:29:26**
